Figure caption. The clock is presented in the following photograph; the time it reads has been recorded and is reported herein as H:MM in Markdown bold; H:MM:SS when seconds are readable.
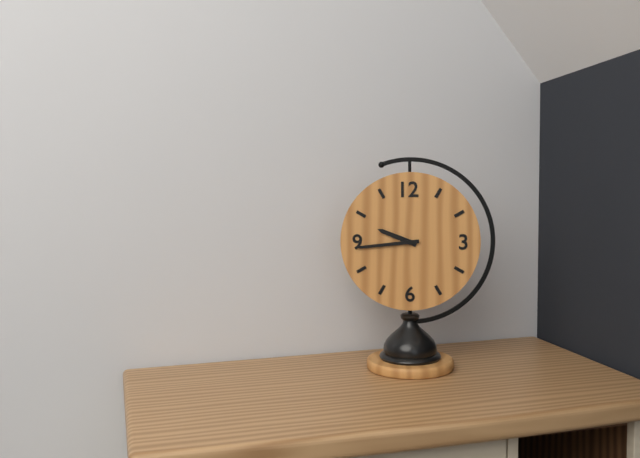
**9:44**
